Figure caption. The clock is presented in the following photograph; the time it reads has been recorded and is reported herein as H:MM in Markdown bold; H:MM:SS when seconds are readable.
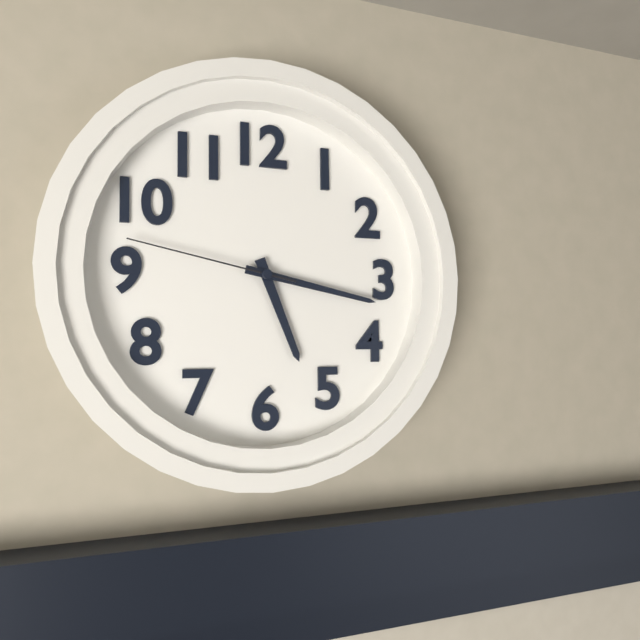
**5:17:47**
